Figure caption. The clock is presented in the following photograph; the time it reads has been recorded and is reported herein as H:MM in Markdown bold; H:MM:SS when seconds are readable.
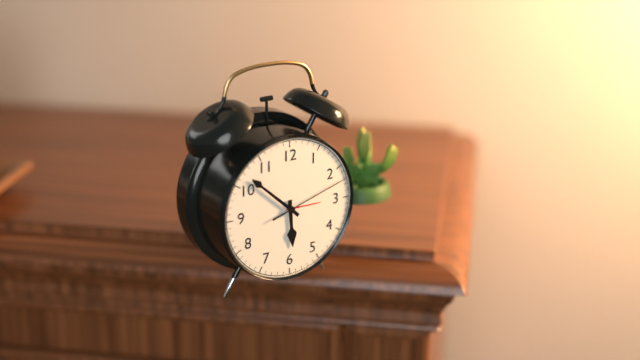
**5:52:12**
